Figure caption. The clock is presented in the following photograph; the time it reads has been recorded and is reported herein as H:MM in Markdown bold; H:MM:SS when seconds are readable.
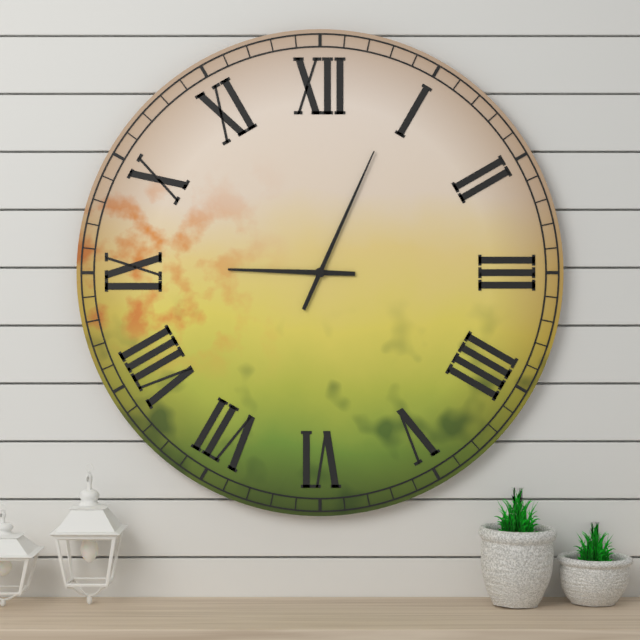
**9:04**
